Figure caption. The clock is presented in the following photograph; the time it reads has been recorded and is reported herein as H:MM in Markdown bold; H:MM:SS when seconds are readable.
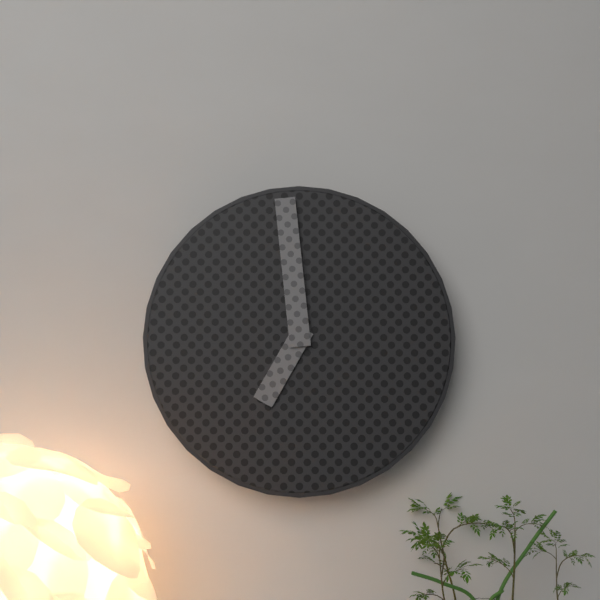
**6:59**
